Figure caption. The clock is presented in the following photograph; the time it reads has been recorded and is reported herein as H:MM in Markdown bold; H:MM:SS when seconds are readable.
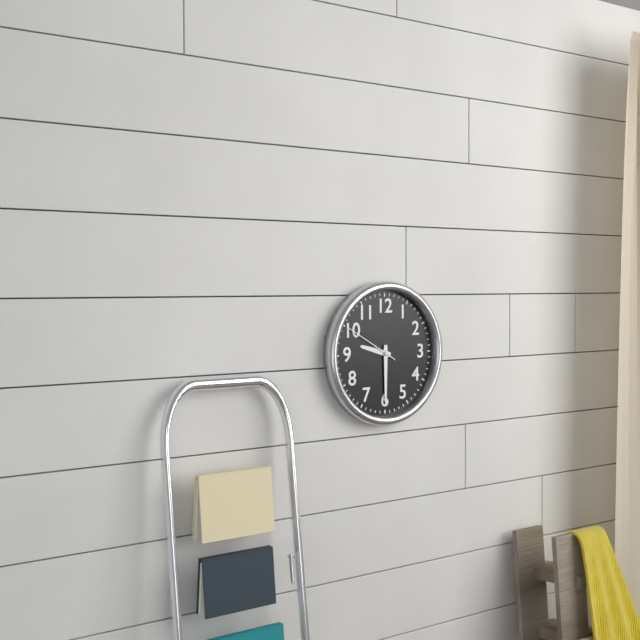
**9:30:50**
